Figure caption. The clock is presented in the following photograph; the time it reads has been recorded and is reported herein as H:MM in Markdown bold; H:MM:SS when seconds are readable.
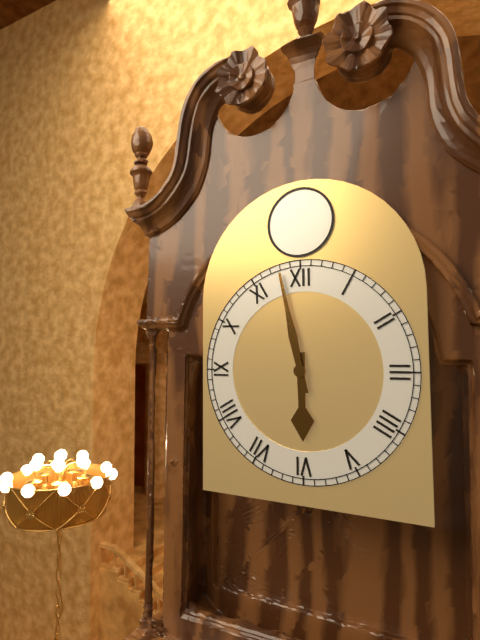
**5:58**
